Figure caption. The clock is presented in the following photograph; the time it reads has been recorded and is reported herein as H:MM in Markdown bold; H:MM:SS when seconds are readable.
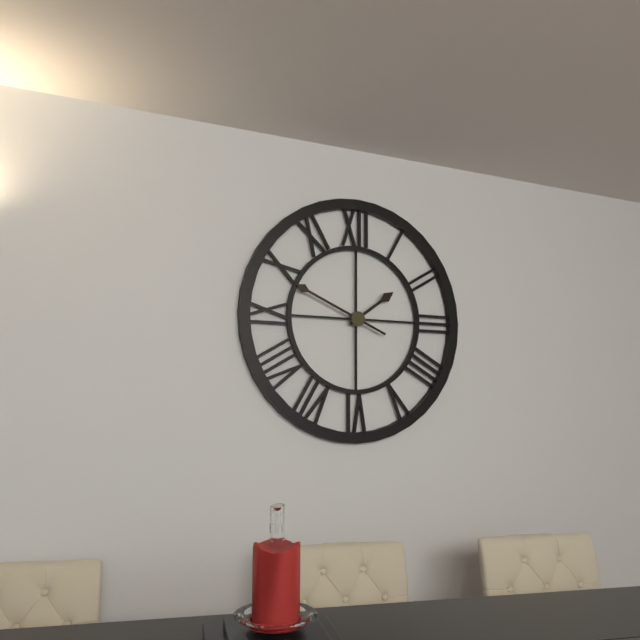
**1:49**
